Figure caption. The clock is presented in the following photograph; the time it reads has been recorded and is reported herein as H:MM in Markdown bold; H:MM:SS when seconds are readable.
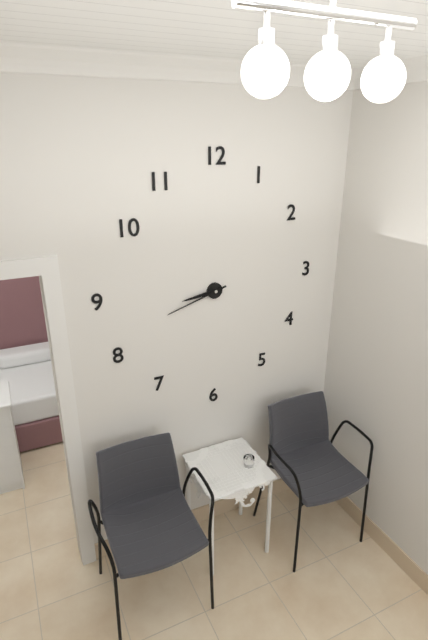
**8:42**
